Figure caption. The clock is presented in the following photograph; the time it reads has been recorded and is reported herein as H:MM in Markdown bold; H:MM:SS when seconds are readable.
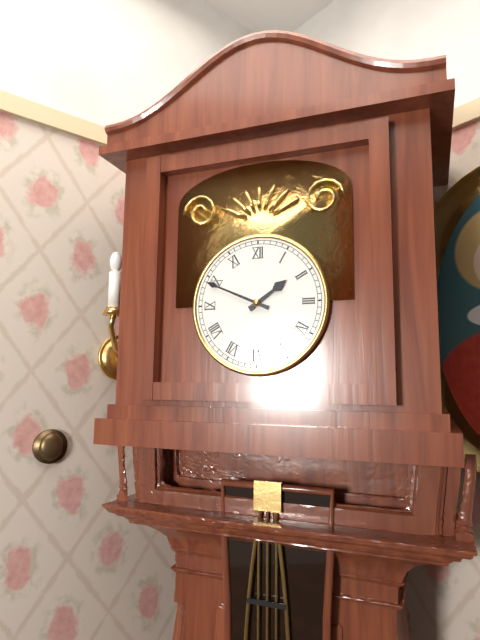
**1:49**
